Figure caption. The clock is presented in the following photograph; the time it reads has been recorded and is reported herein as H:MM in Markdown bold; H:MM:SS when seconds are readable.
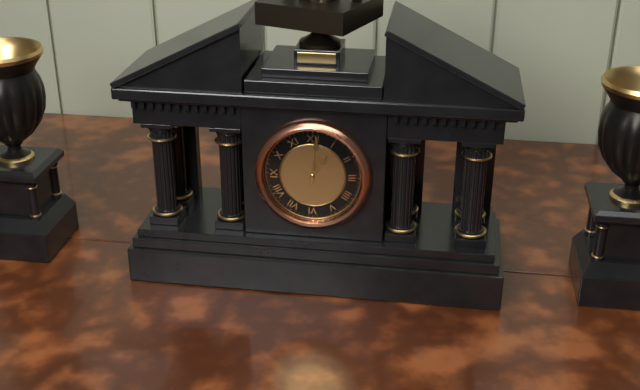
**1:01**
